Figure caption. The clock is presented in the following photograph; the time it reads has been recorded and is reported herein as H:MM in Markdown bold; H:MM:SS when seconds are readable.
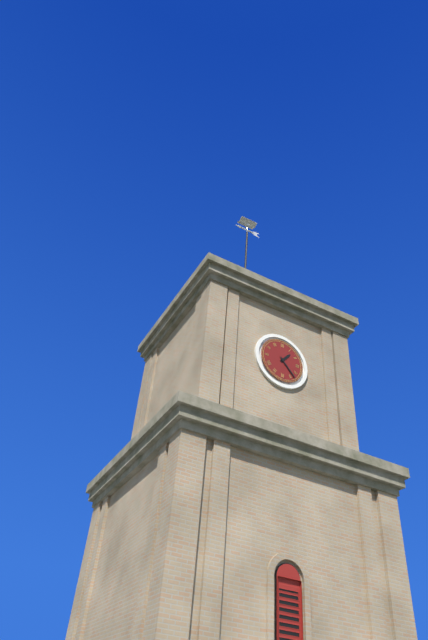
**1:23**
